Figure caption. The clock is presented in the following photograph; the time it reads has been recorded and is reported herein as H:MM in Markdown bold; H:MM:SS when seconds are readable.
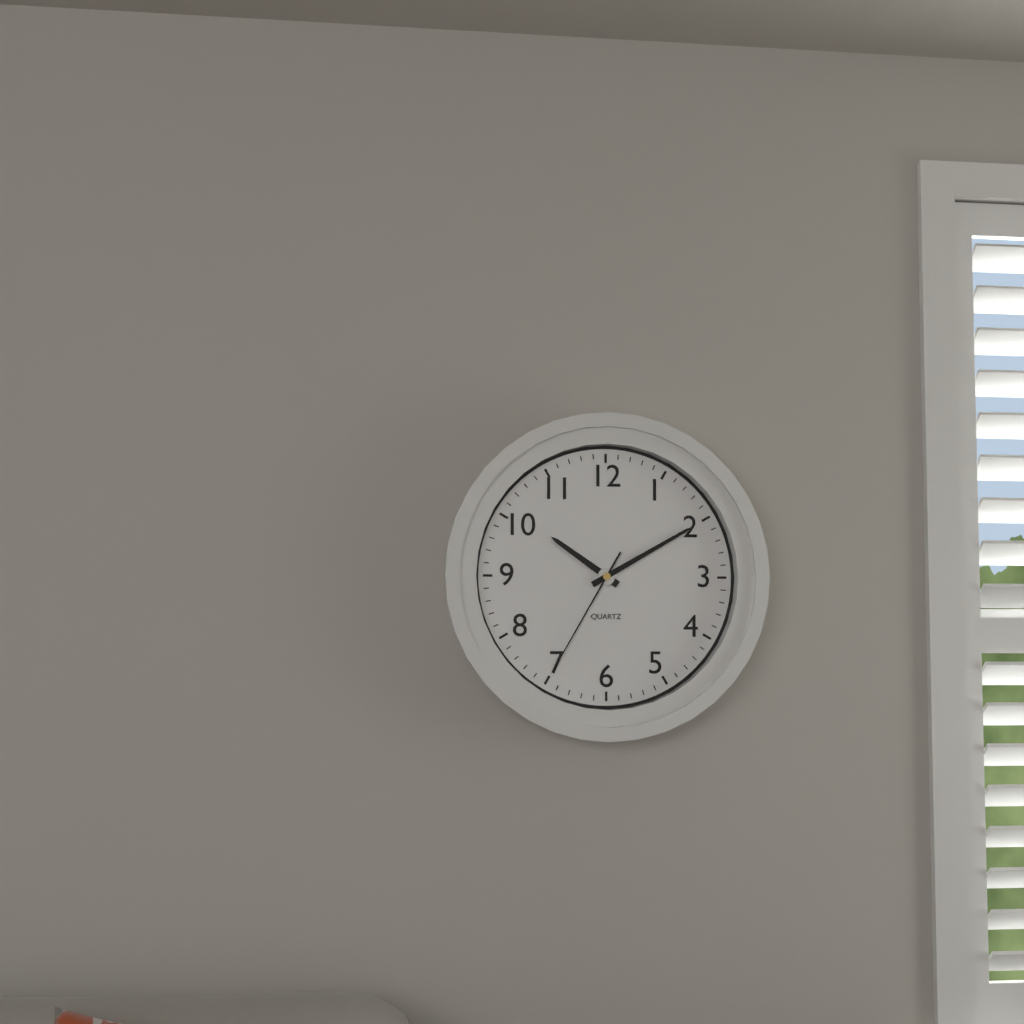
**10:10:35**
